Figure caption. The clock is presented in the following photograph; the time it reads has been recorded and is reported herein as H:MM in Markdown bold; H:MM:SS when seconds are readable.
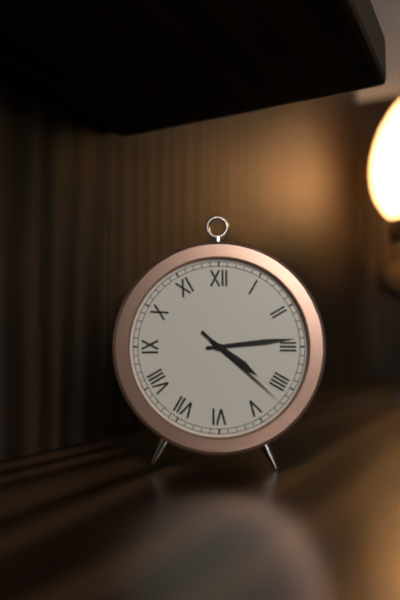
**4:14:22**
